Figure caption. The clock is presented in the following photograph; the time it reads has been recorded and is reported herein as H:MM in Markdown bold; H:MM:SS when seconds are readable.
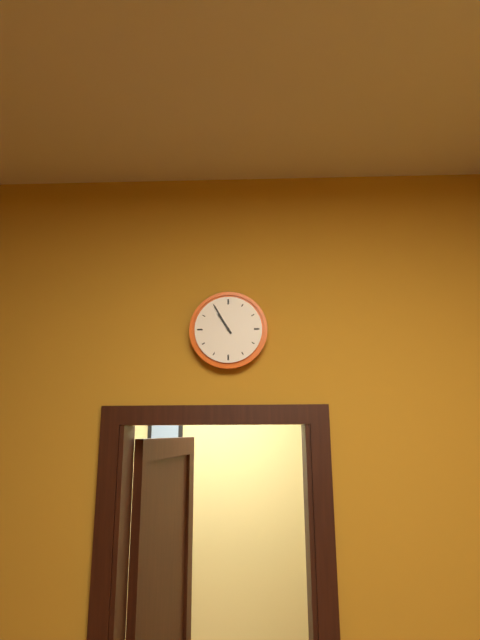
**10:55**
